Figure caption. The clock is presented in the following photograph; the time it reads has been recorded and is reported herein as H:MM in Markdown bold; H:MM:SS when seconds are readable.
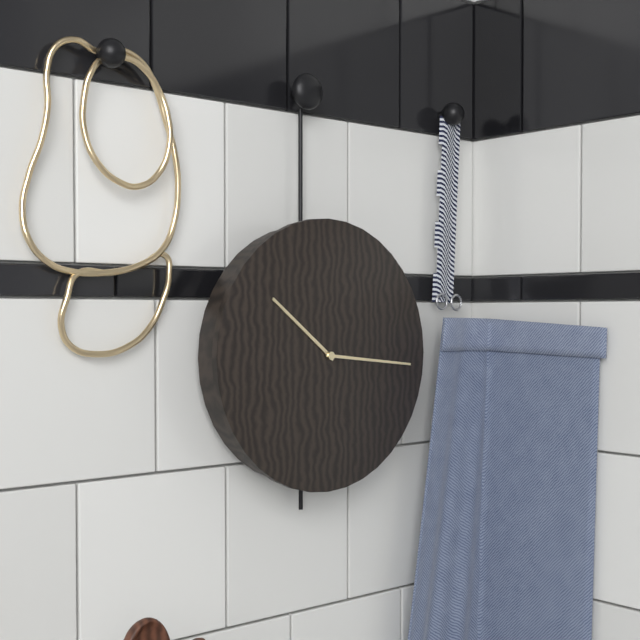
**10:16**
